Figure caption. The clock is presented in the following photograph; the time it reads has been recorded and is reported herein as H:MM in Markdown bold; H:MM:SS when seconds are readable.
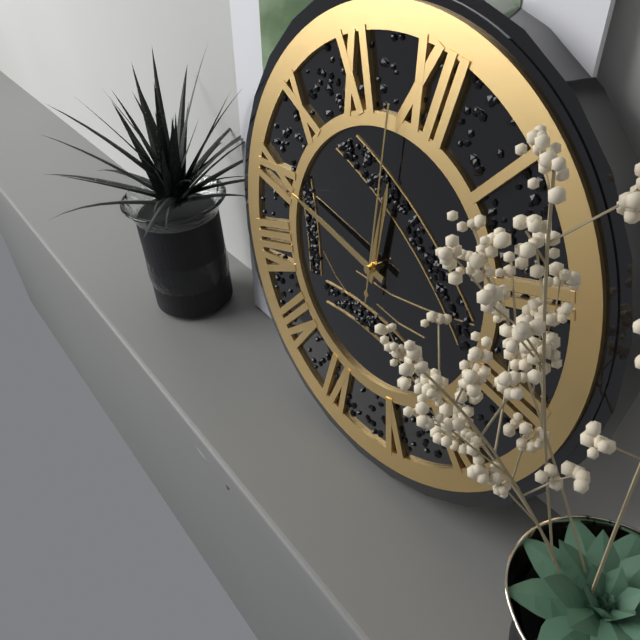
**11:45:58**
